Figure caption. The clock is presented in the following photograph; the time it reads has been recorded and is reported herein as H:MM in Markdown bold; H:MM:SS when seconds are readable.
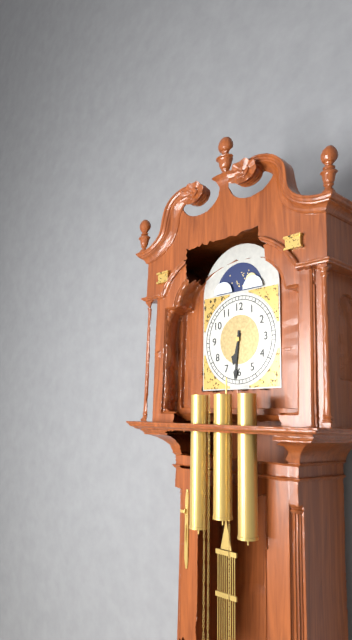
**6:31**
